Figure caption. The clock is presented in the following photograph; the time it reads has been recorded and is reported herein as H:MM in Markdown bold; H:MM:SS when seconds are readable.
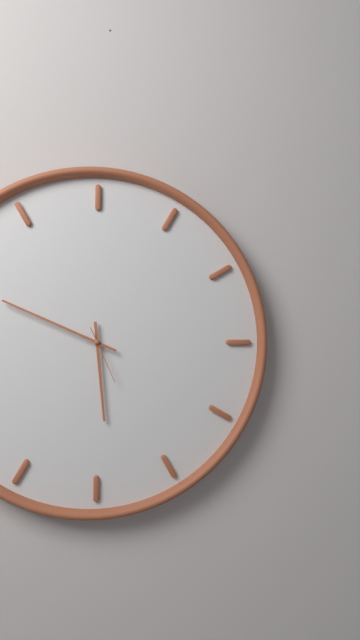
**5:49:26**
